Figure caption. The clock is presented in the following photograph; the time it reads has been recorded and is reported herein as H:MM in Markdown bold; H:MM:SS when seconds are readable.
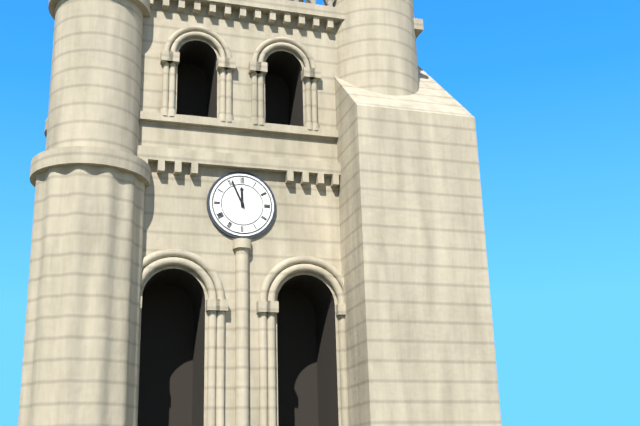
**11:56**
